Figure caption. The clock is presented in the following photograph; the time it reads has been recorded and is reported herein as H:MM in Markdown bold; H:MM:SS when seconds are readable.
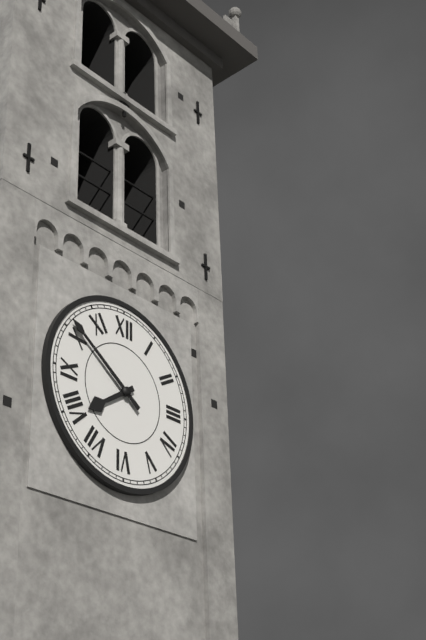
**7:51**
